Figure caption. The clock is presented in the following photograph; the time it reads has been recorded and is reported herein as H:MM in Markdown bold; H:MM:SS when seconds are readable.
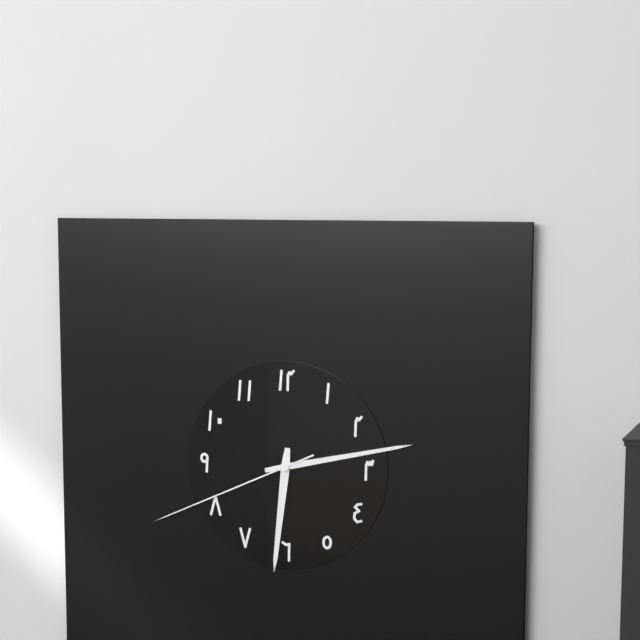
**6:13:41**
